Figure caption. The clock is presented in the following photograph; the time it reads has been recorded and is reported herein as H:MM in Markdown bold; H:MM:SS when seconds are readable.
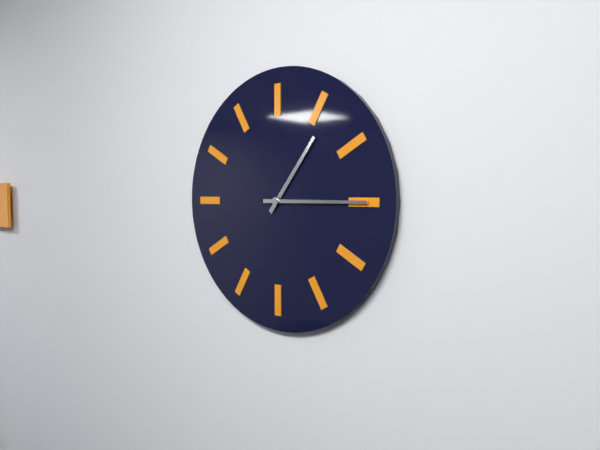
**1:15**
